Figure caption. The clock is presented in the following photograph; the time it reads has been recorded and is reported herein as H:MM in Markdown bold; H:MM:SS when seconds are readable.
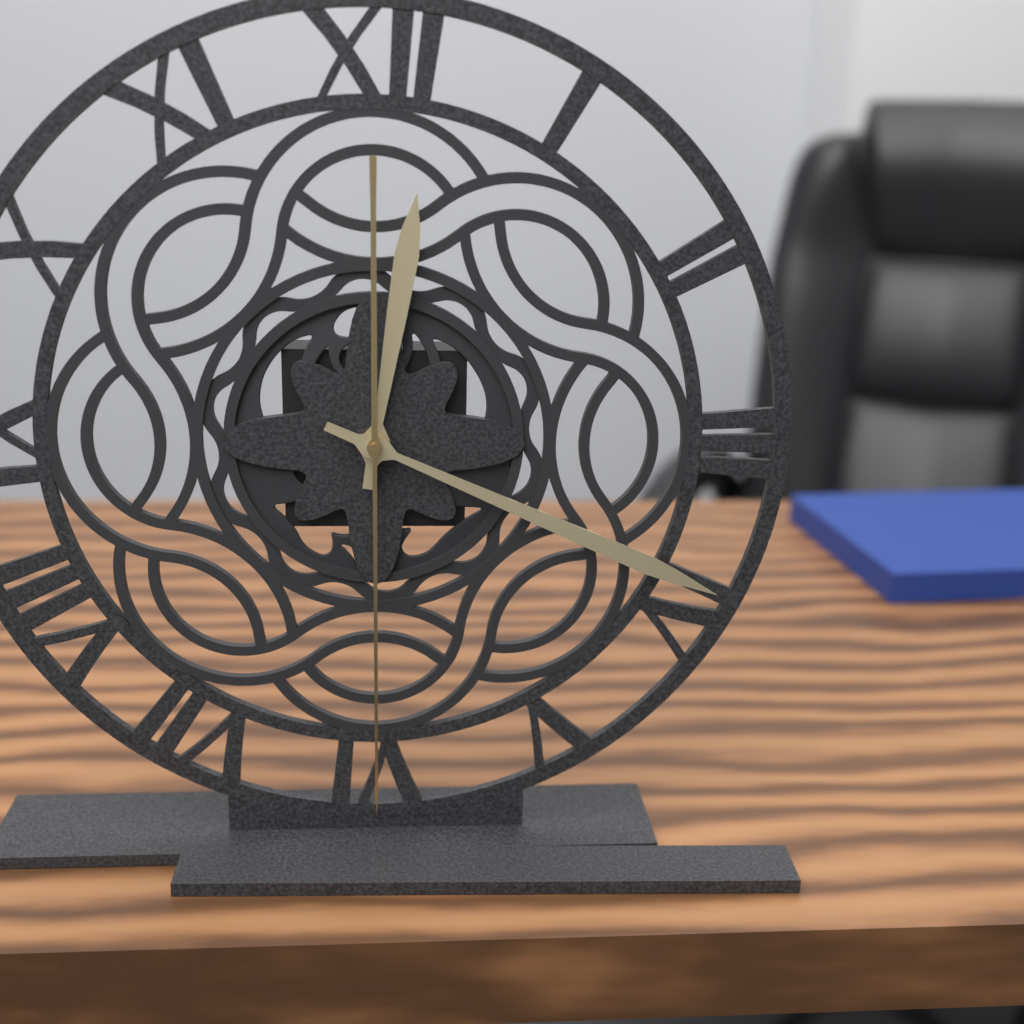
**12:19:30**
